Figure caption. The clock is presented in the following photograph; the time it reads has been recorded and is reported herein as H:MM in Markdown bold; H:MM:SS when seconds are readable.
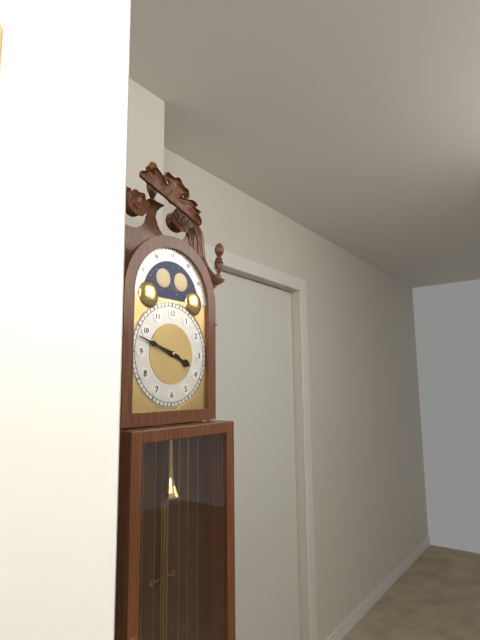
**3:48**
